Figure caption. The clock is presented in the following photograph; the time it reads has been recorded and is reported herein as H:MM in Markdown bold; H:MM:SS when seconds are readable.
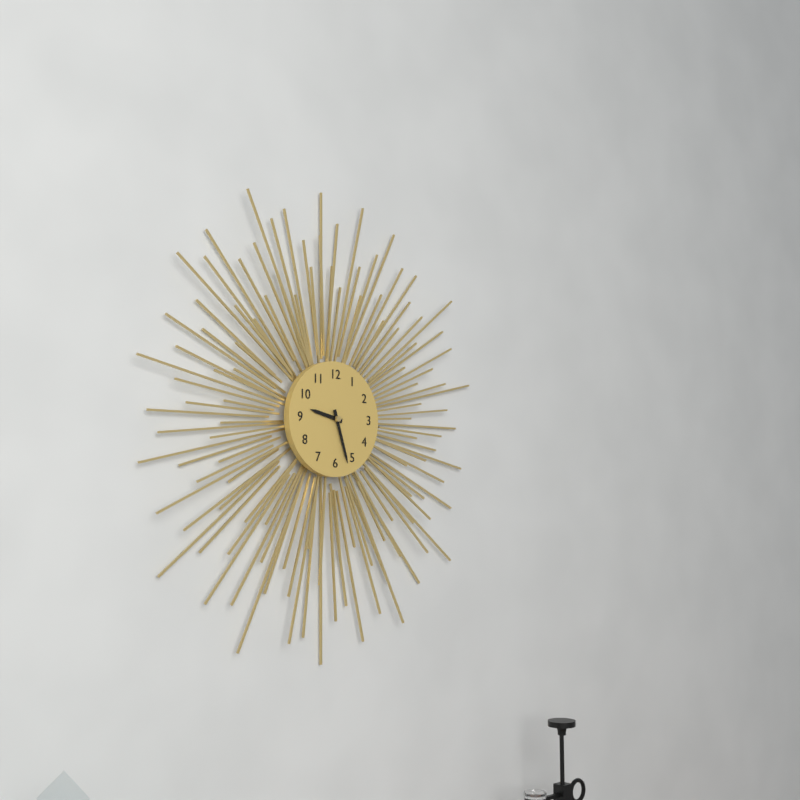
**9:27**
